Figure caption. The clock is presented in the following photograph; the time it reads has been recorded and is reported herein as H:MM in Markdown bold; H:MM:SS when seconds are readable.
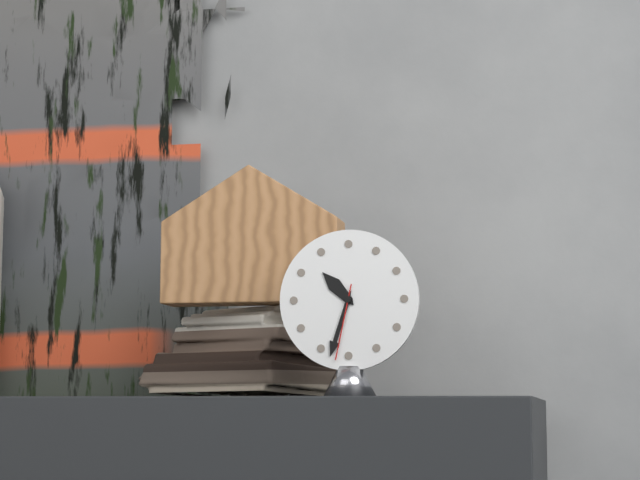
**10:33:32**
